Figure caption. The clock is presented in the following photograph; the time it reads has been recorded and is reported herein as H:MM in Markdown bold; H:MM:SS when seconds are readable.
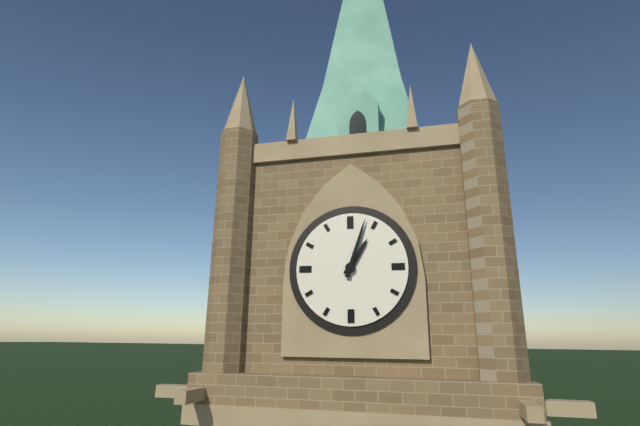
**1:03**
